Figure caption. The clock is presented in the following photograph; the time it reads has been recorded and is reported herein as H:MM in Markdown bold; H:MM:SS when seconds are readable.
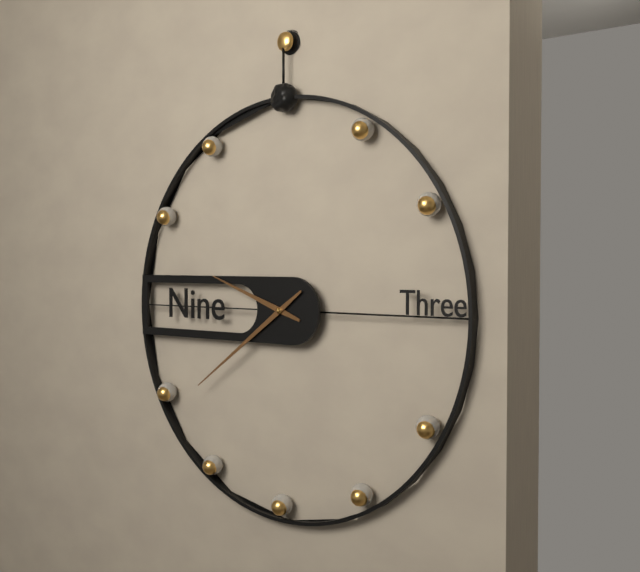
**9:39**
